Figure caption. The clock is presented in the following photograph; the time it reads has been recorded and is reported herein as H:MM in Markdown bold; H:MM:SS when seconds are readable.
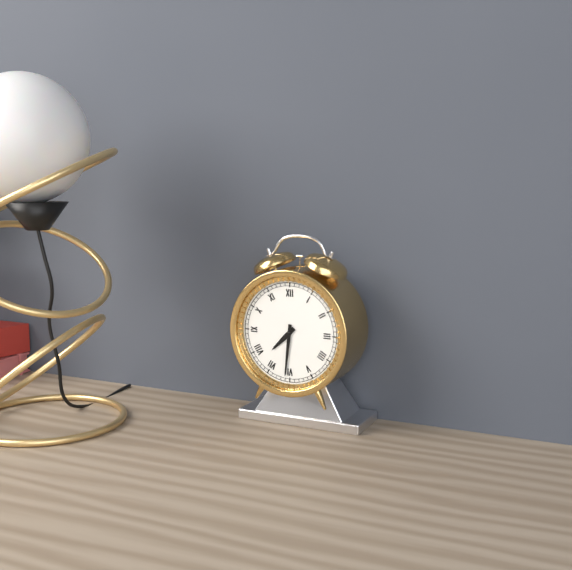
**7:31**
